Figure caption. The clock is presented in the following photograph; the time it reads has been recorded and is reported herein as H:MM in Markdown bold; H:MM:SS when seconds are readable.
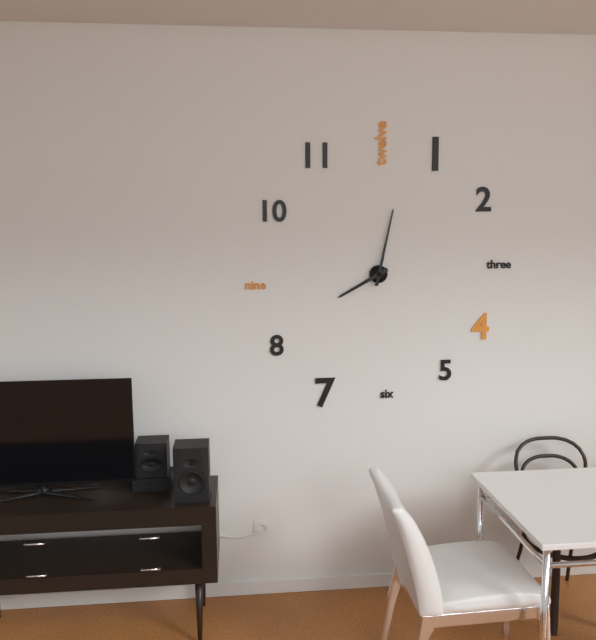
**8:02**
